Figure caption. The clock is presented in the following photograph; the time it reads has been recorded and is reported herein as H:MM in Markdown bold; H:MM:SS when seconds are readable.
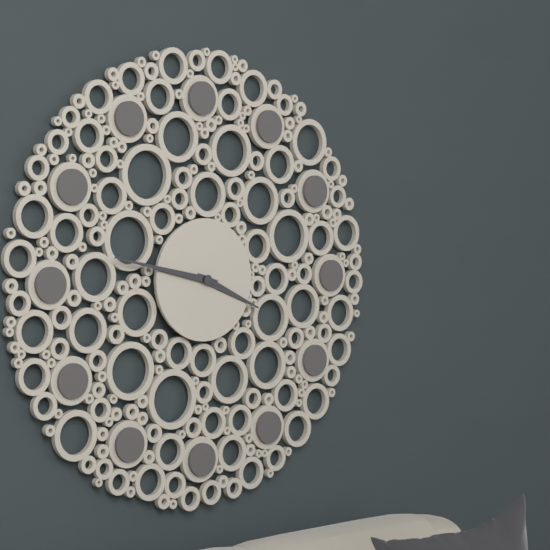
**3:47**
